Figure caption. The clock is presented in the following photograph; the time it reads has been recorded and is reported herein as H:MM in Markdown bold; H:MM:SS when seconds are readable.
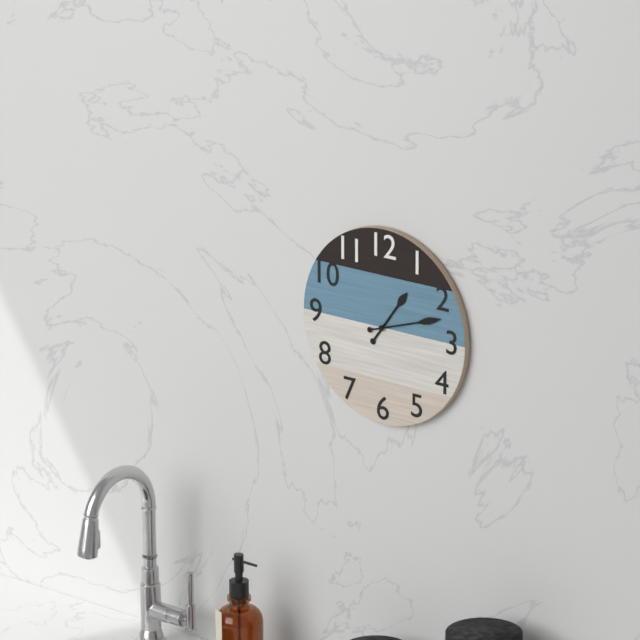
**1:12**
